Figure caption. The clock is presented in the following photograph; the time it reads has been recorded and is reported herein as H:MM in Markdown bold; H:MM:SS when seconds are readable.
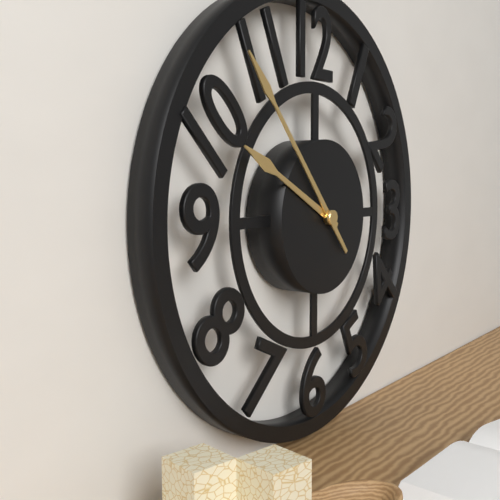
**9:53**
